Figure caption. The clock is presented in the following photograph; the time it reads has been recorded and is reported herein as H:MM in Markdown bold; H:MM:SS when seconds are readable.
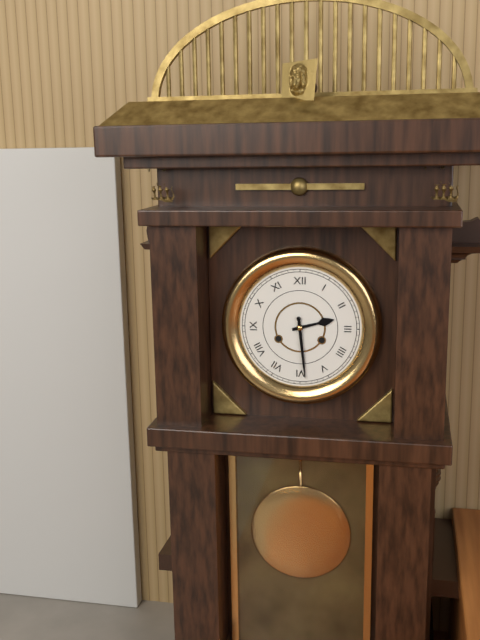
**2:29**
